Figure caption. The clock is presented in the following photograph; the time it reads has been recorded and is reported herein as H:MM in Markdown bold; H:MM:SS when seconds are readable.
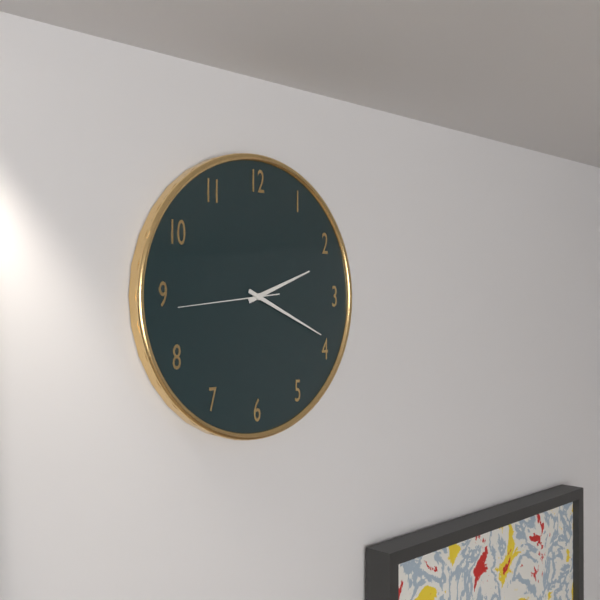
**2:19:44**
